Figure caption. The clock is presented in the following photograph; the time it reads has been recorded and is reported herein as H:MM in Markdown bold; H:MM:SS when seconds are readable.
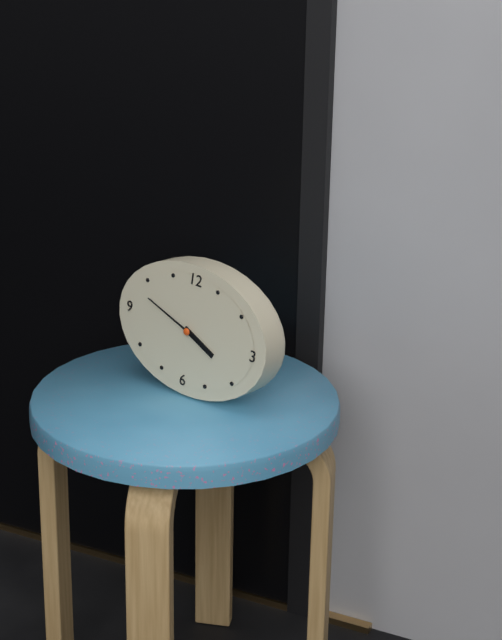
**3:48**
